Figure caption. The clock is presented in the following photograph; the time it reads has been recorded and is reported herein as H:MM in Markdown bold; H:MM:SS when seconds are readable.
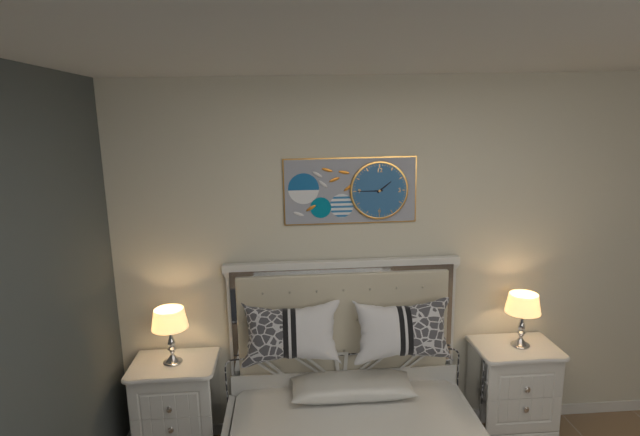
**1:45**
